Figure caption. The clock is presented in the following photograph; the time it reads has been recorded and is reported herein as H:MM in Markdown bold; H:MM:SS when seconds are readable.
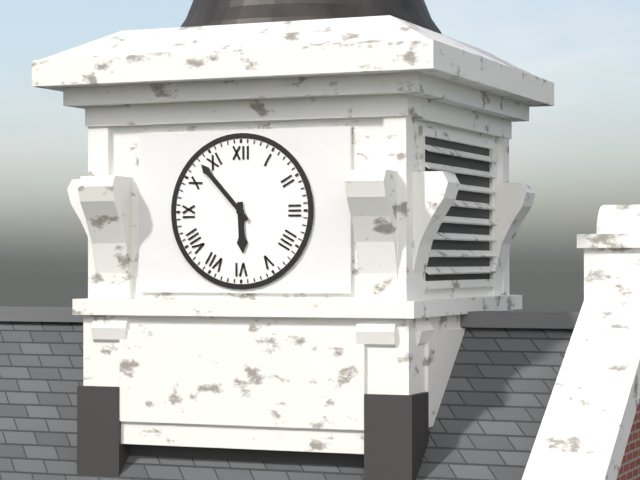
**5:53**
